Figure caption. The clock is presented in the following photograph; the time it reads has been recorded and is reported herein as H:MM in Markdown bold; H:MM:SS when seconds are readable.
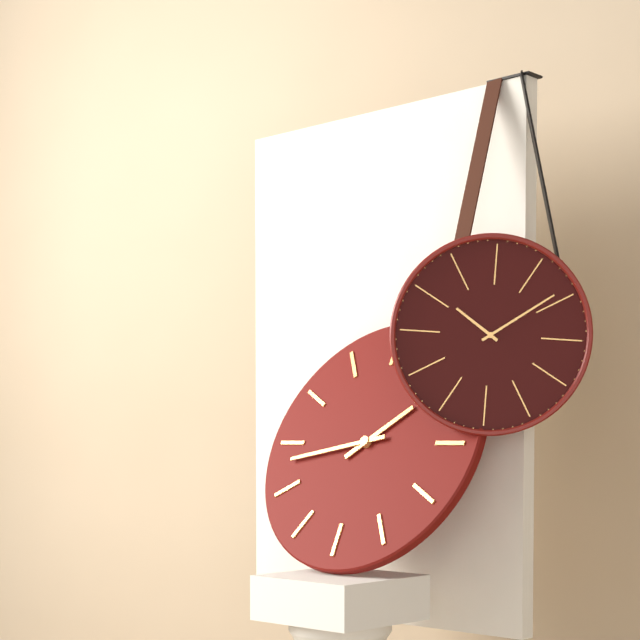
**1:43**
